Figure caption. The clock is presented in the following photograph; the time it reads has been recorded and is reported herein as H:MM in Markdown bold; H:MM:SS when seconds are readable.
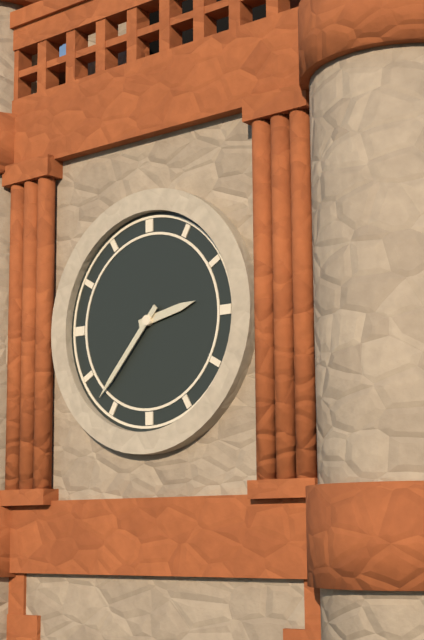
**2:37**
